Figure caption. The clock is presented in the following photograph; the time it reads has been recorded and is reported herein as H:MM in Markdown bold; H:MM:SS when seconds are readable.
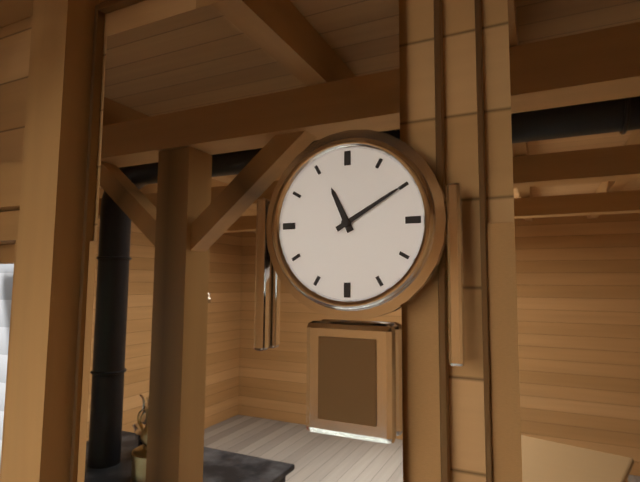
**11:10**
